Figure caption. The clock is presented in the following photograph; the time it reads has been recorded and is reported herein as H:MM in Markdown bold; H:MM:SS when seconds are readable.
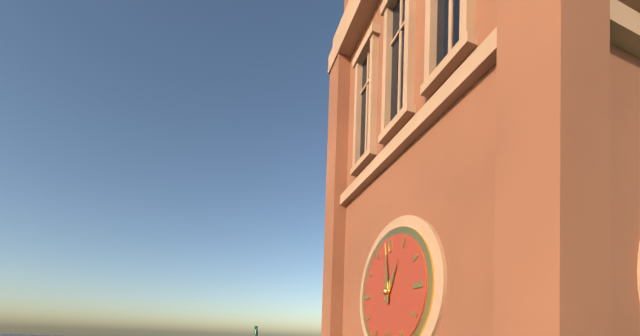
**12:59**
